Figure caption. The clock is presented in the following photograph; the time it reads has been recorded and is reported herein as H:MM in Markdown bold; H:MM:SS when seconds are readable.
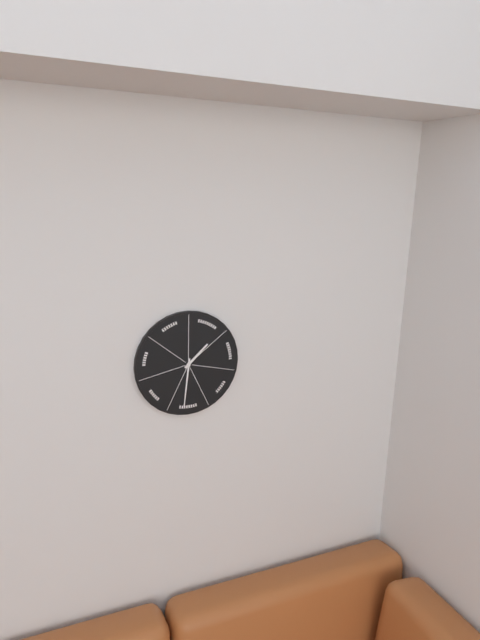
**1:31**
